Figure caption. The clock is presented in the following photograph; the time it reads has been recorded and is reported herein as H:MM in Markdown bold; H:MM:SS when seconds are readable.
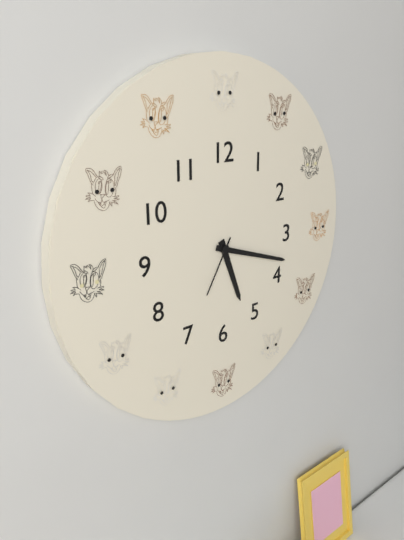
**5:18:35**
